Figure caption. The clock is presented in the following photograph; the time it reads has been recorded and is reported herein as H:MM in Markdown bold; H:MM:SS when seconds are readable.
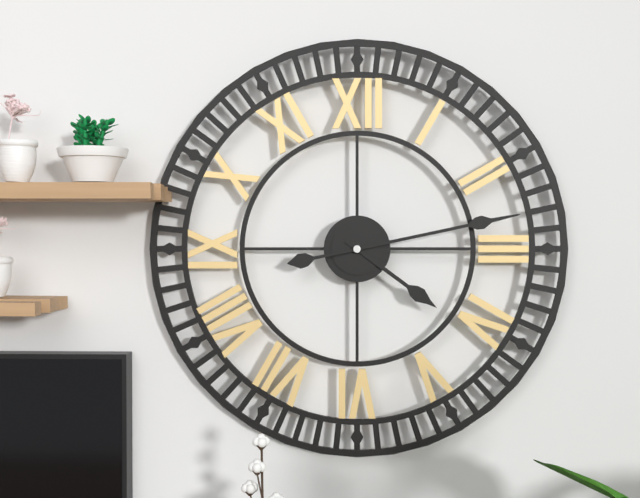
**4:13**
